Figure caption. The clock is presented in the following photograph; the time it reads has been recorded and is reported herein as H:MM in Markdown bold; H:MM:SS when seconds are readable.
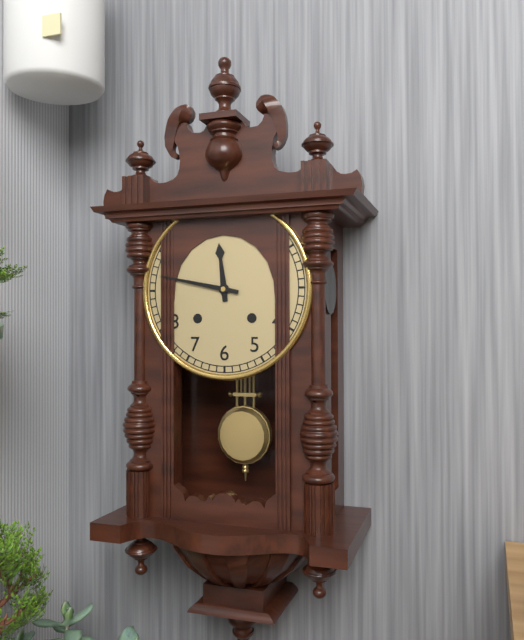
**11:47**
